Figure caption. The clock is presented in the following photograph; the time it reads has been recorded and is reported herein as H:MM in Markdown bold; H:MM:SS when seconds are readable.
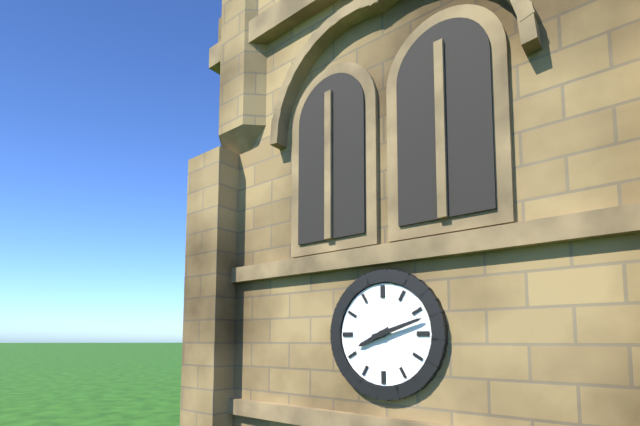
**8:12**
